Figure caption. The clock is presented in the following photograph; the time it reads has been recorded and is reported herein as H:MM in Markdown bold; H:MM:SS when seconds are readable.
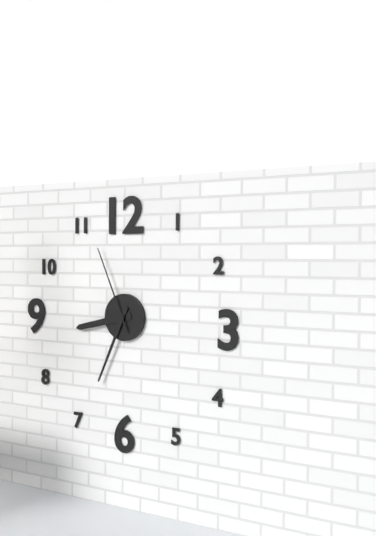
**8:34:56**
